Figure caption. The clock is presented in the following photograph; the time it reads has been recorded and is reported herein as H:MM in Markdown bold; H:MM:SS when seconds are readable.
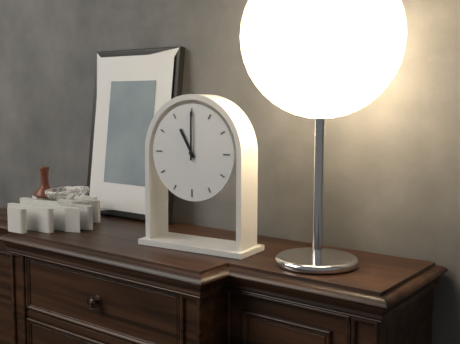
**11:00**
